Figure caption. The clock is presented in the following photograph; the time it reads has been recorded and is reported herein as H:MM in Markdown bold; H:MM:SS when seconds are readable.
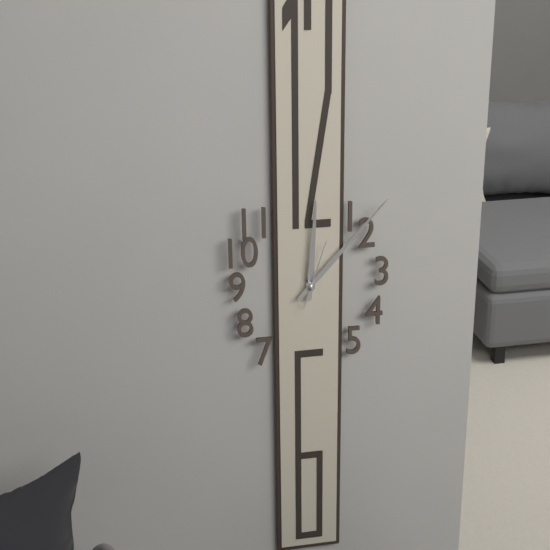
**12:07:03**
